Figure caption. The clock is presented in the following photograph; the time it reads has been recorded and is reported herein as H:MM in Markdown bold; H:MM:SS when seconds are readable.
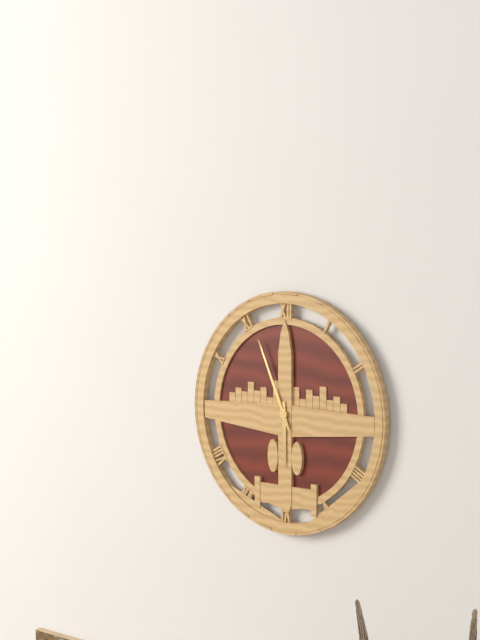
**5:56**
